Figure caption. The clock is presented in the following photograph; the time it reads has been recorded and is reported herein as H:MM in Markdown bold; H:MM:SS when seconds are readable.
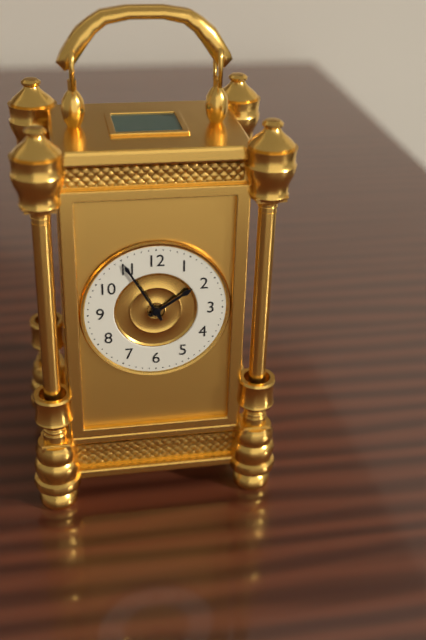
**1:55**
